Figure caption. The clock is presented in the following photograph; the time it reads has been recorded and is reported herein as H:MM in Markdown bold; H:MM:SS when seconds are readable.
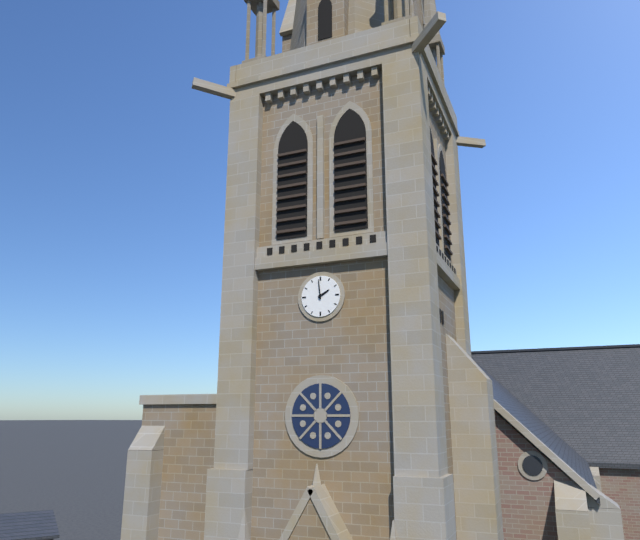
**1:59**
